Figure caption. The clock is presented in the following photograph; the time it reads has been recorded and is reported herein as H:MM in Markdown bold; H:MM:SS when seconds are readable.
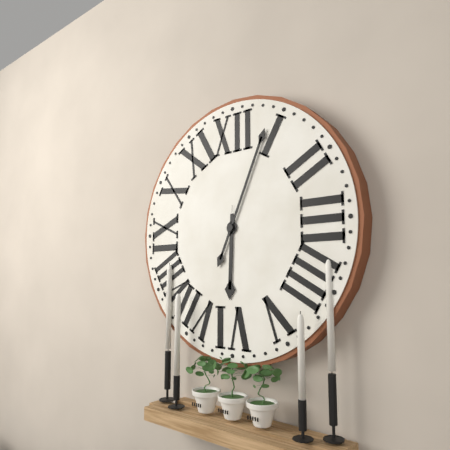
**6:04**
